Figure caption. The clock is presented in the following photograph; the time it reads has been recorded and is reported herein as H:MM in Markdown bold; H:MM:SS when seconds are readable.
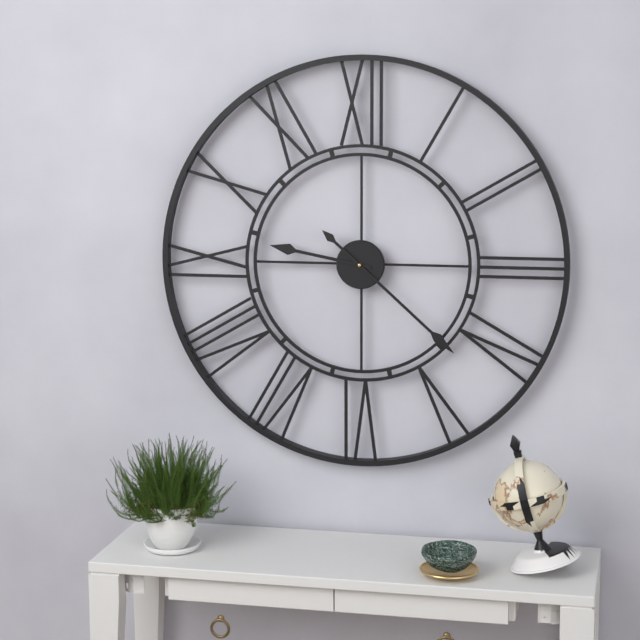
**9:22**
